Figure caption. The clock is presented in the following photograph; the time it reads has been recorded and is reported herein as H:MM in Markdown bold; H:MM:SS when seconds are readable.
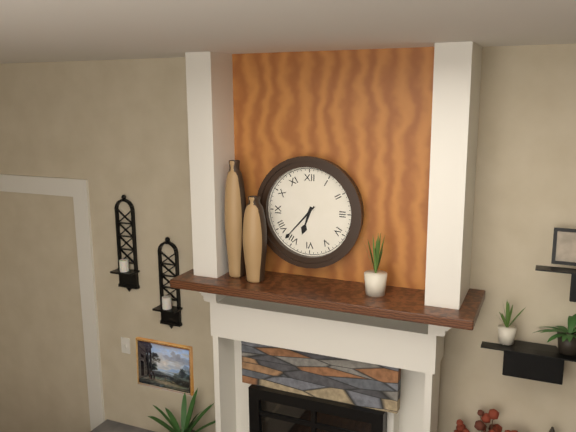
**6:37**
